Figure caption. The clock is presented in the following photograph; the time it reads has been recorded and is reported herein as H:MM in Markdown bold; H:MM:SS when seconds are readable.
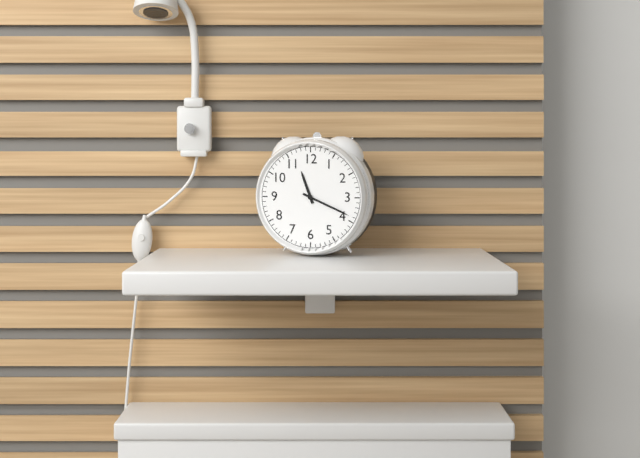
**11:19**
